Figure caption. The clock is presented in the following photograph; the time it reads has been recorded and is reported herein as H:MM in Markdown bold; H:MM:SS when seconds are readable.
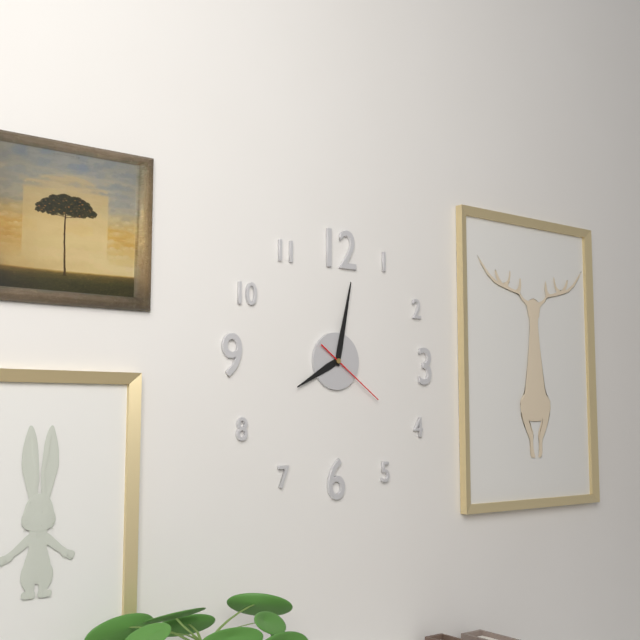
**8:02:21**
